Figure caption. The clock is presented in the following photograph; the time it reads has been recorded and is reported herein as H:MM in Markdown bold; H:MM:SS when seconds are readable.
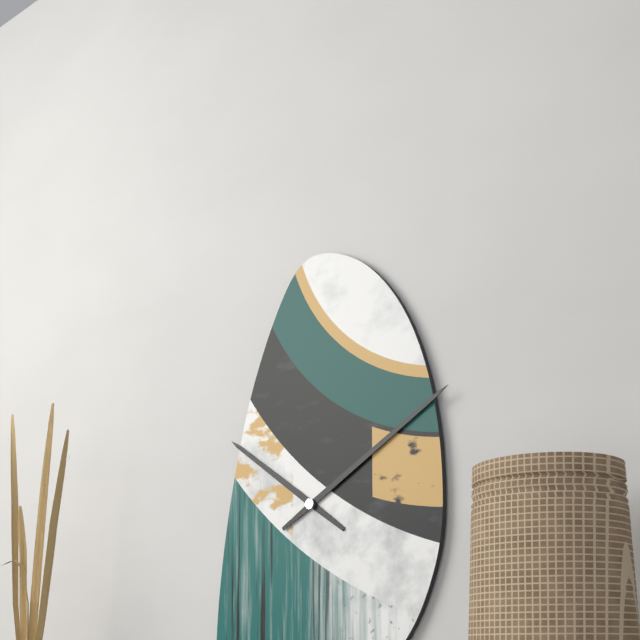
**10:10**
